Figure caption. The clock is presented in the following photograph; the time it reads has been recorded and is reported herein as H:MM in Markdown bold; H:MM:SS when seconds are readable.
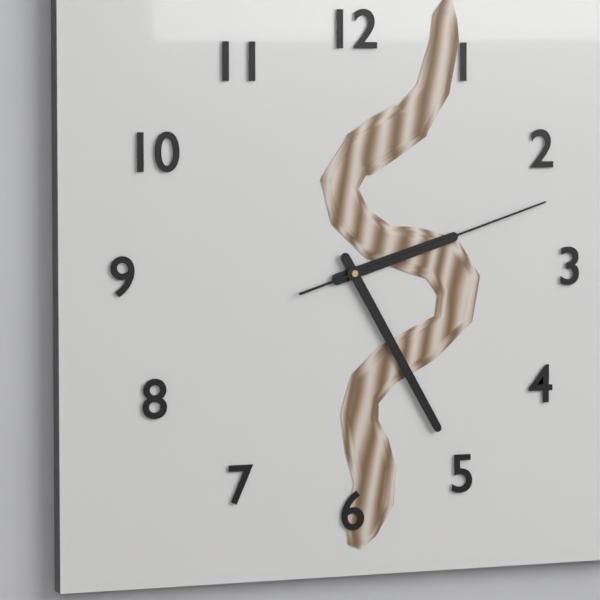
**2:25:12**
